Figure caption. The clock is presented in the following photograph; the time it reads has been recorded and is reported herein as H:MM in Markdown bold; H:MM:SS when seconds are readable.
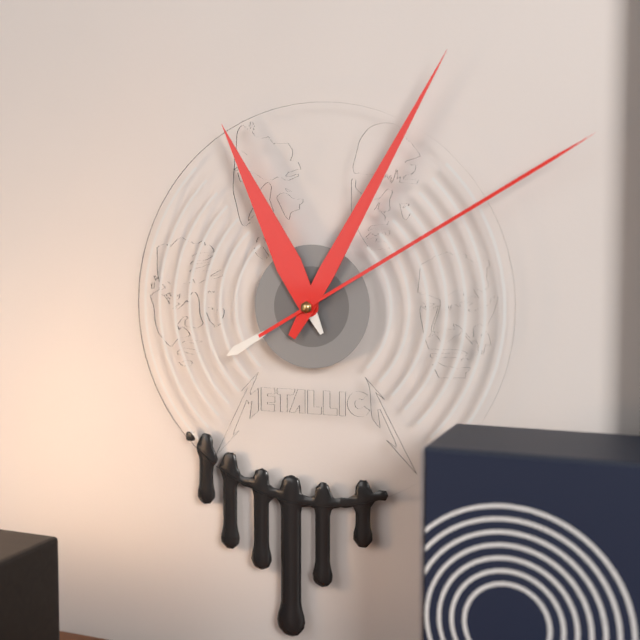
**11:05:10**
